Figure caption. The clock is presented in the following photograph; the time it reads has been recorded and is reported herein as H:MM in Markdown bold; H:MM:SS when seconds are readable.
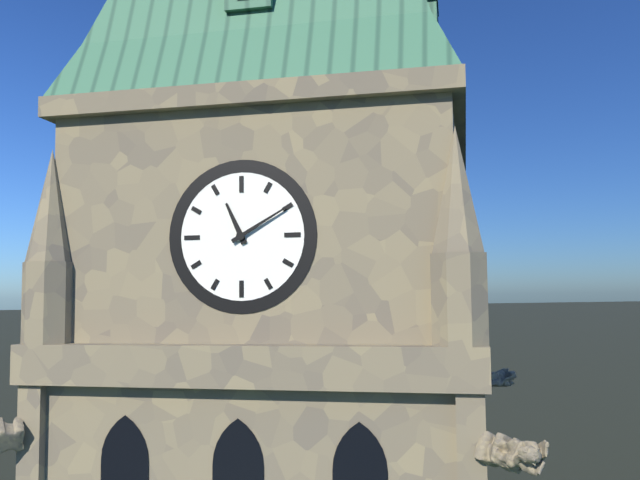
**11:10**
